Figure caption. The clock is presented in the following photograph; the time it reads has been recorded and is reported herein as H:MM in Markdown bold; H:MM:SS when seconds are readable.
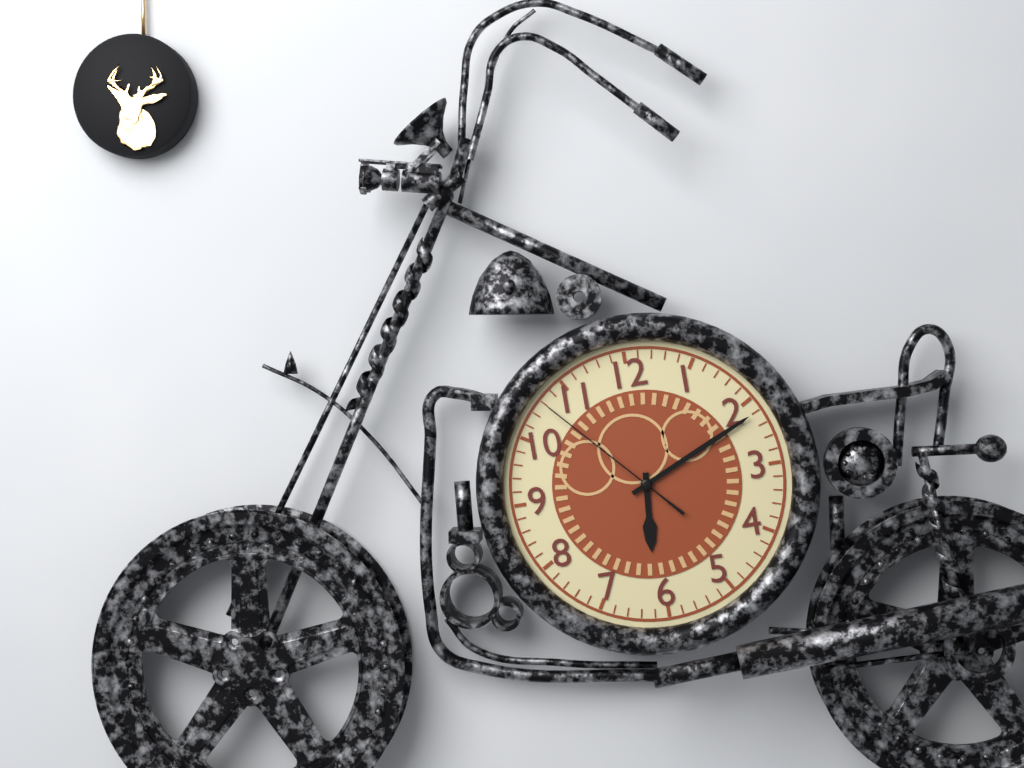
**6:11:53**
